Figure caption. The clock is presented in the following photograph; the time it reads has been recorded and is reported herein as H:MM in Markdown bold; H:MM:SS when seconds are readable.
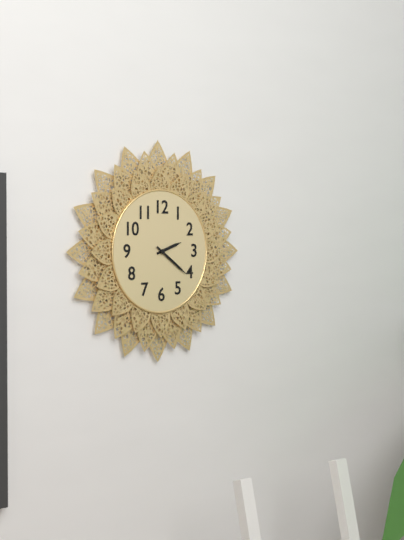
**2:21**
